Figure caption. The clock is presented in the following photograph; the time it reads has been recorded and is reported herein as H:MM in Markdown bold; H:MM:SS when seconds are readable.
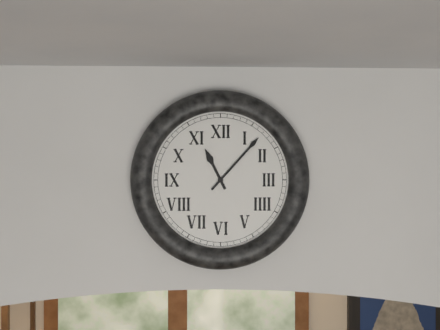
**11:07**
